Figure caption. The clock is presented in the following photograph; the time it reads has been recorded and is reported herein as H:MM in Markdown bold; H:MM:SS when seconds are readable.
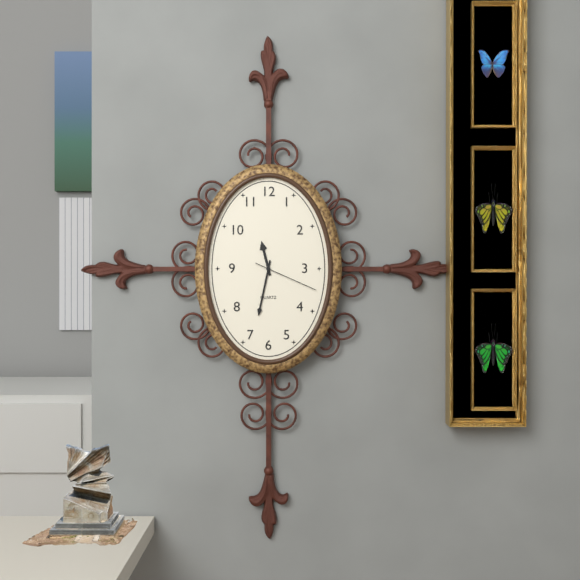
**11:32:19**
